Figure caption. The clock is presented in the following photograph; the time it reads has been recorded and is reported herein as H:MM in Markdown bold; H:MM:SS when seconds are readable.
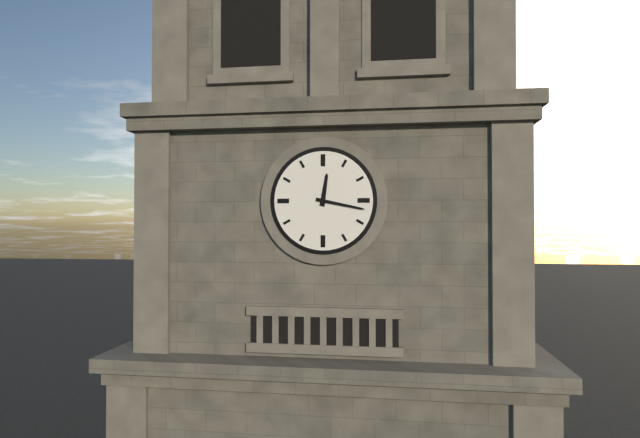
**12:17**
